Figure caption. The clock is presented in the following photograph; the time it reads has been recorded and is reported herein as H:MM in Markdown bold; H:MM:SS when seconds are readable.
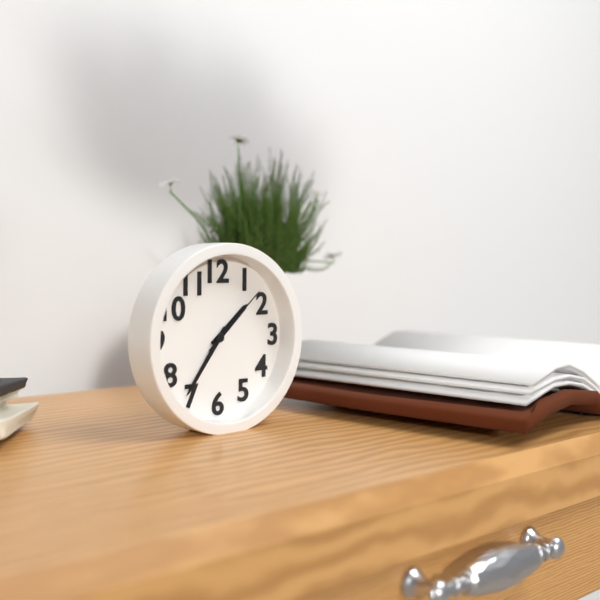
**1:36:08**
